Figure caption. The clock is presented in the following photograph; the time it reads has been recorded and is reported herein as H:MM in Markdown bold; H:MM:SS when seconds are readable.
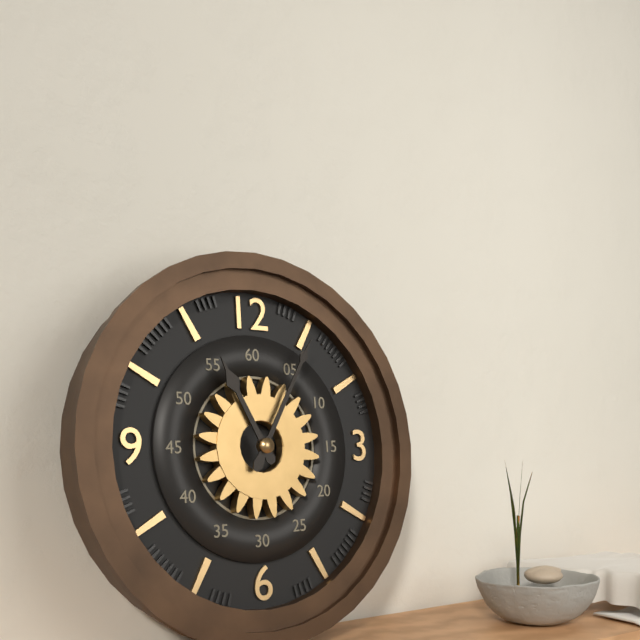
**11:05**
